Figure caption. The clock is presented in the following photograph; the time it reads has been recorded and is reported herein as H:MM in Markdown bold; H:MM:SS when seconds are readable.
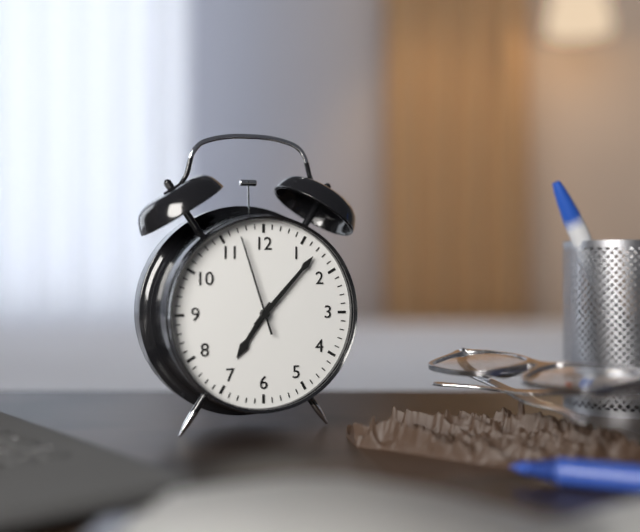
**7:07:57**
